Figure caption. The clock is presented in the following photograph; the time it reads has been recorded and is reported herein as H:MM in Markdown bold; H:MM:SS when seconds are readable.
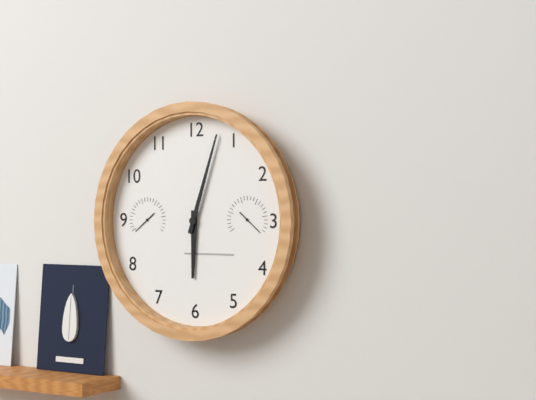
**6:03**
